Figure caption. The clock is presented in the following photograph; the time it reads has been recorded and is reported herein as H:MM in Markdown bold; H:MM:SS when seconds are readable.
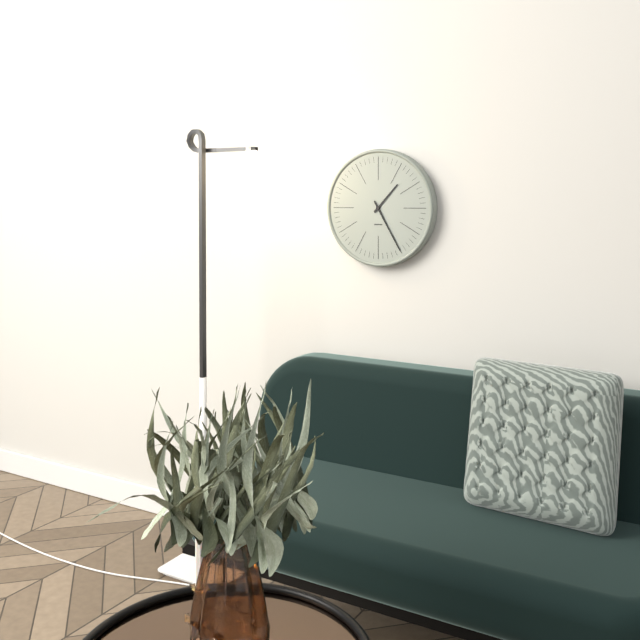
**1:25**
